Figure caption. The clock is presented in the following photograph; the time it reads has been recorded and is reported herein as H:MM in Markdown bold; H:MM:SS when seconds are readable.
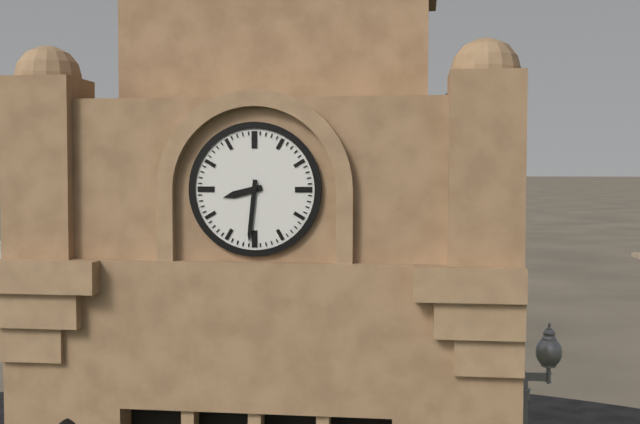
**8:31**
